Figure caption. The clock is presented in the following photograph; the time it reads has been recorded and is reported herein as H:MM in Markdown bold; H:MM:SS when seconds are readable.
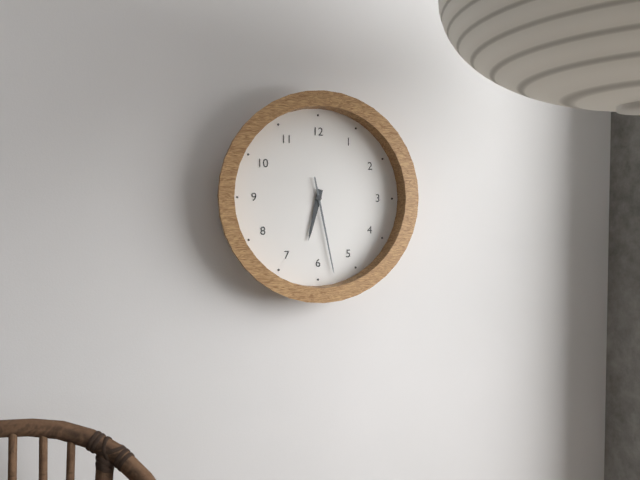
**6:28**
